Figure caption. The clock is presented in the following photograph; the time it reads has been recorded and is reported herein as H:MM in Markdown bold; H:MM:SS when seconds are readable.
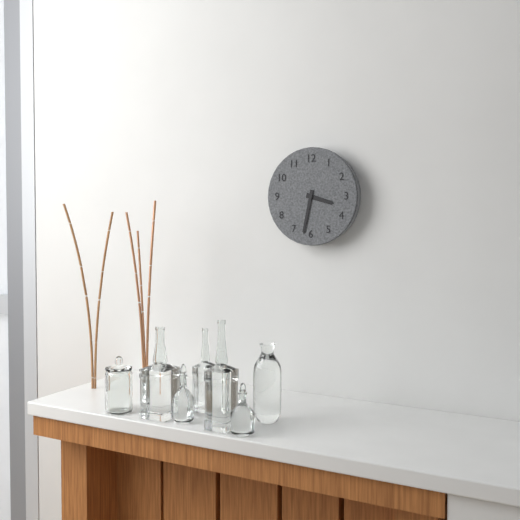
**3:32**
